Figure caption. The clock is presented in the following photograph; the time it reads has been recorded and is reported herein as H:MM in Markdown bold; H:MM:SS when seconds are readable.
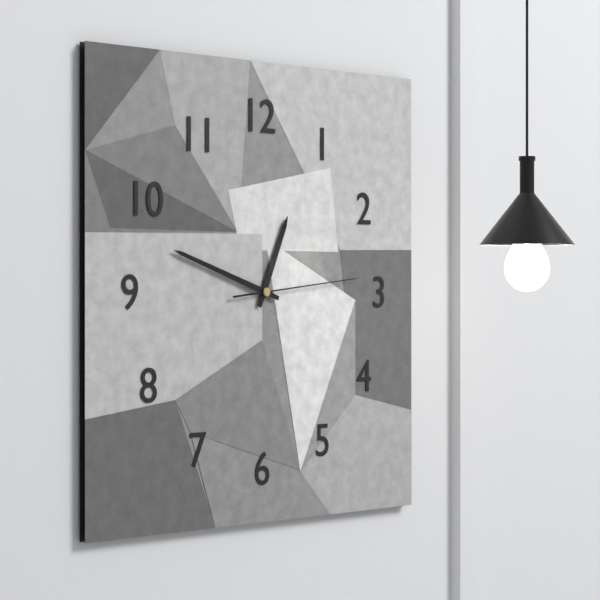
**12:48:14**
